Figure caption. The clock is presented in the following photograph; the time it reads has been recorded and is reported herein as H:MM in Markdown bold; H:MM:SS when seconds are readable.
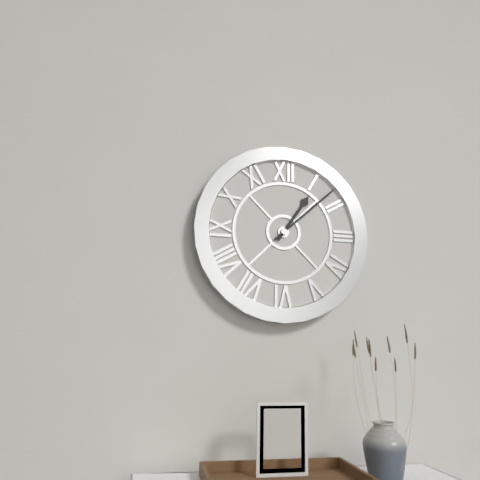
**1:08**
